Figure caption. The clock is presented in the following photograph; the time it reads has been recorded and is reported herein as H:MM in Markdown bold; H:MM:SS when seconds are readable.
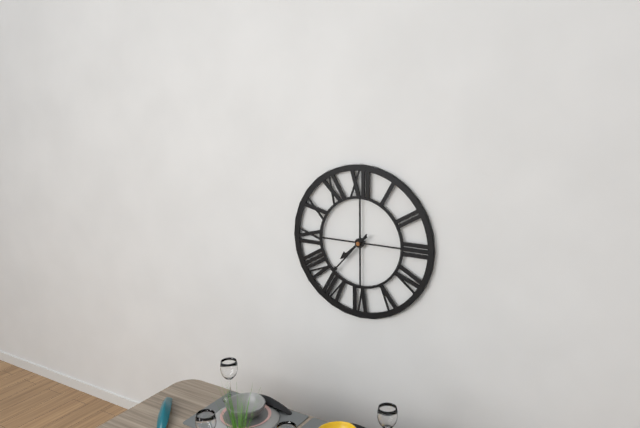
**7:37**
